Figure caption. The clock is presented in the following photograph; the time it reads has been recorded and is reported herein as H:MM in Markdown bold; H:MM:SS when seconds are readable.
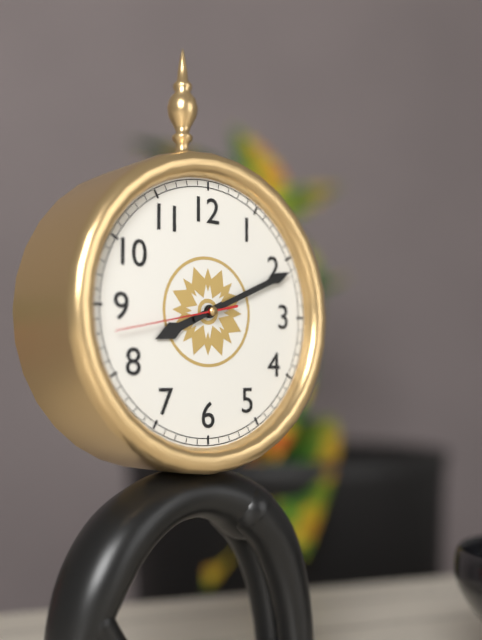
**8:11:43**
